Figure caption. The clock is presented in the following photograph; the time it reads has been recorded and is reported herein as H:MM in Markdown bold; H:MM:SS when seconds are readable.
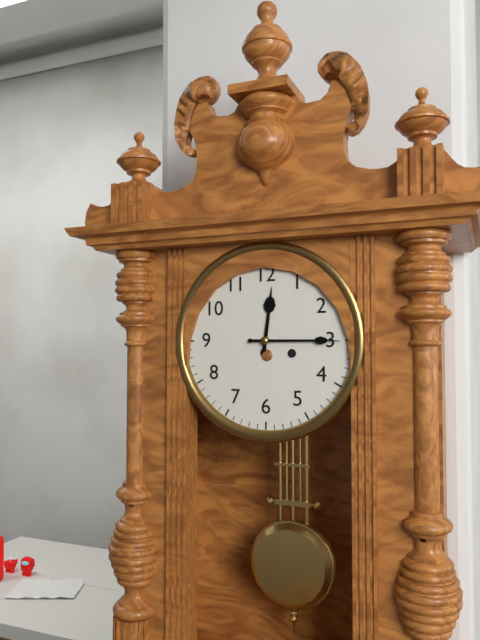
**12:15**
